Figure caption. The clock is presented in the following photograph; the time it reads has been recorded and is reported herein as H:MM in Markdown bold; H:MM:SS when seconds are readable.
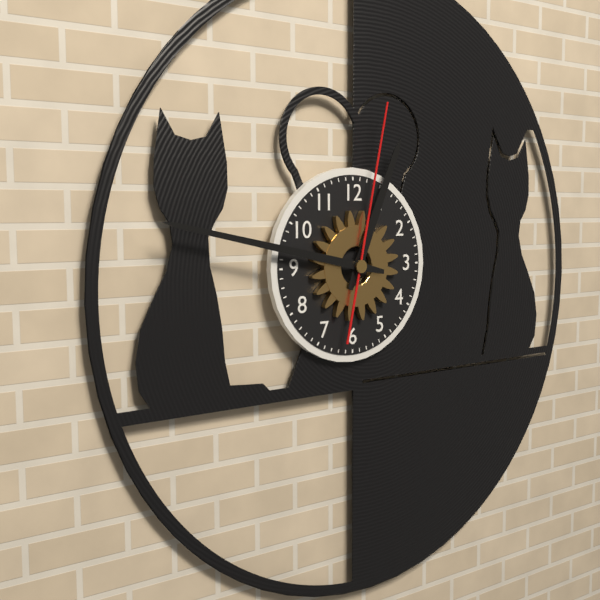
**12:47:02**
